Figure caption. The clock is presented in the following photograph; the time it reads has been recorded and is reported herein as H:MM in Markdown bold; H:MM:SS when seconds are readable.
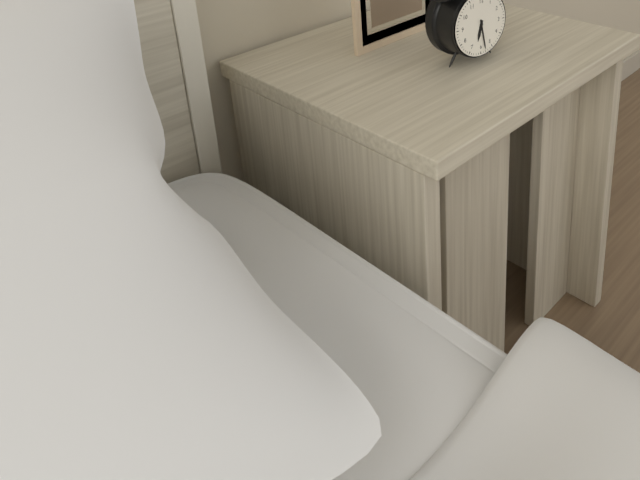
**6:28**
